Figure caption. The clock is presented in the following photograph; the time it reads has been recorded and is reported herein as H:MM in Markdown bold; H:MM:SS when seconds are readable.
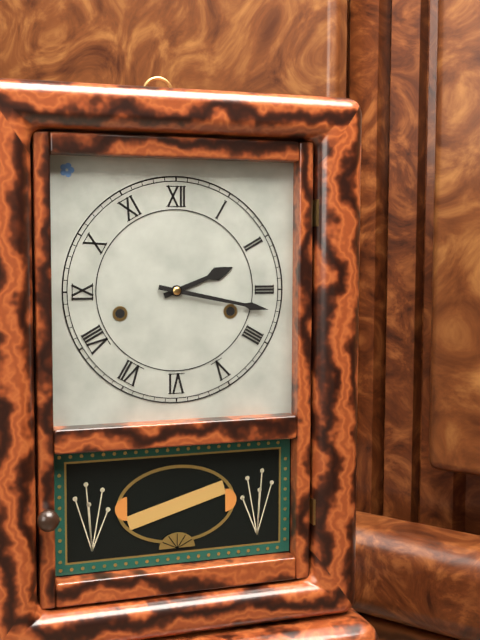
**2:17**
